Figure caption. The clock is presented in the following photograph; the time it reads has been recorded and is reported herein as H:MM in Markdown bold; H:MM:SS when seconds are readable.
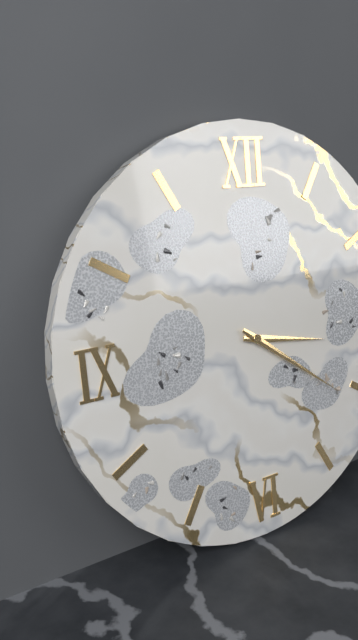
**3:21**
